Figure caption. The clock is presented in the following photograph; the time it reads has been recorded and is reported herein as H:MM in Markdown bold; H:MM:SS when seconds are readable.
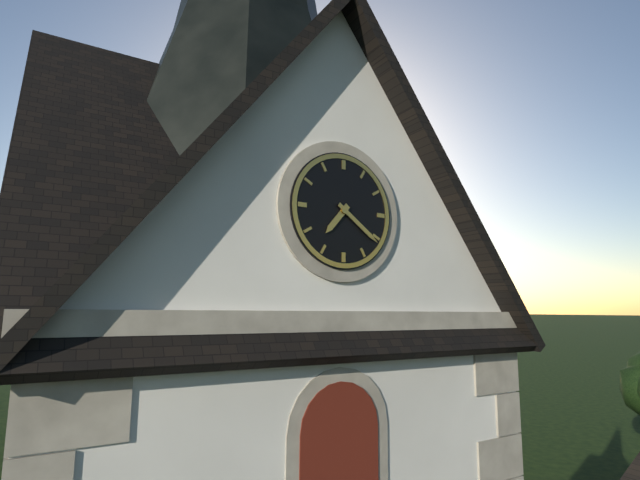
**7:21**
